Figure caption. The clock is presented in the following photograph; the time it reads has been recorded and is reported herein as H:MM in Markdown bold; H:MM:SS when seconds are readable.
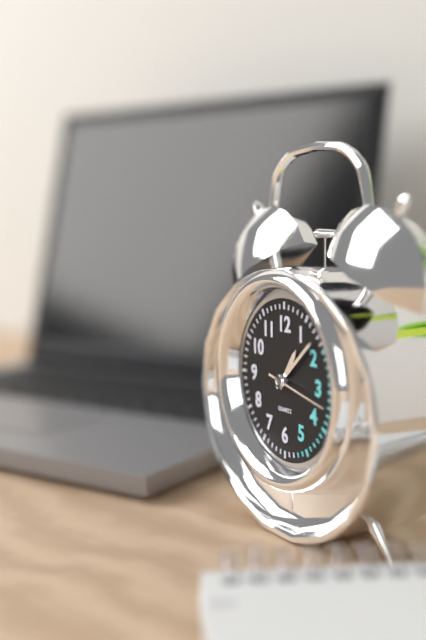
**1:08:17**
